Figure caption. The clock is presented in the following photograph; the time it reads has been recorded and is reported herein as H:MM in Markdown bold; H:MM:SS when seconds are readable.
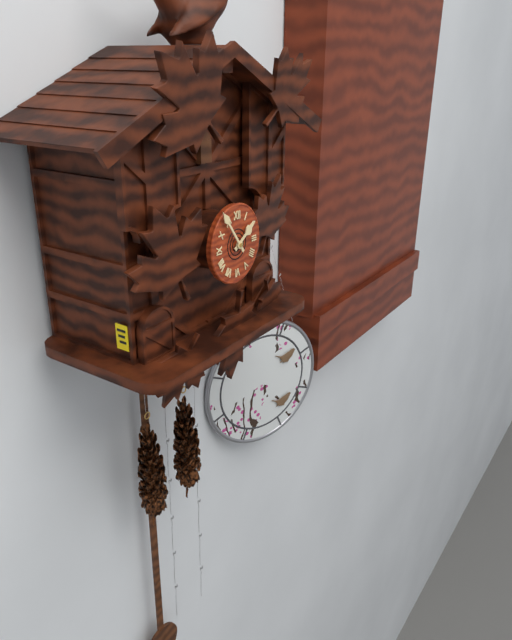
**1:54**
